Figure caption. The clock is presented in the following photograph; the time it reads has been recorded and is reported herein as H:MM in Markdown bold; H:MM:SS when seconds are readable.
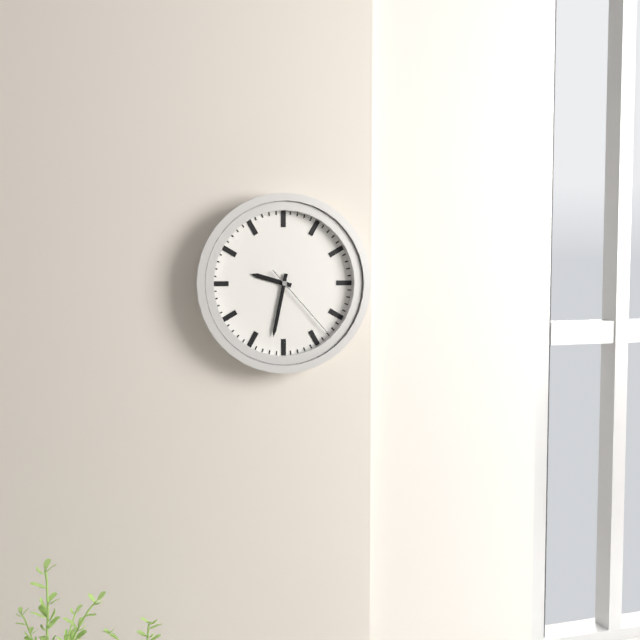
**9:32:23**
